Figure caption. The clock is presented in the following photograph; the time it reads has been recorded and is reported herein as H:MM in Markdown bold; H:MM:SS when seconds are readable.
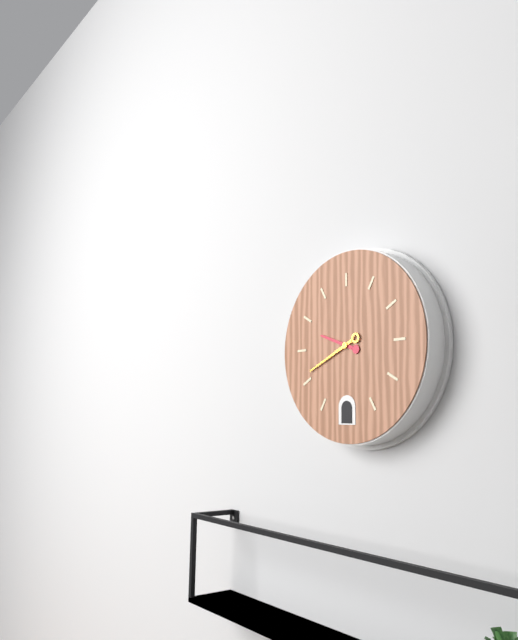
**9:41**
